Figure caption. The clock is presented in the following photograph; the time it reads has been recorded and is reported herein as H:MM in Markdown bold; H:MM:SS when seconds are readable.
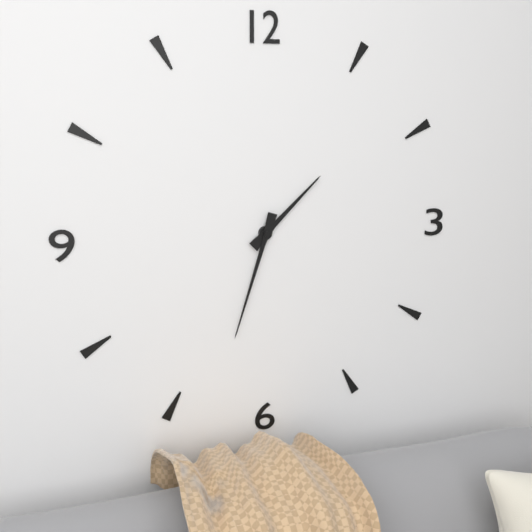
**1:33**
